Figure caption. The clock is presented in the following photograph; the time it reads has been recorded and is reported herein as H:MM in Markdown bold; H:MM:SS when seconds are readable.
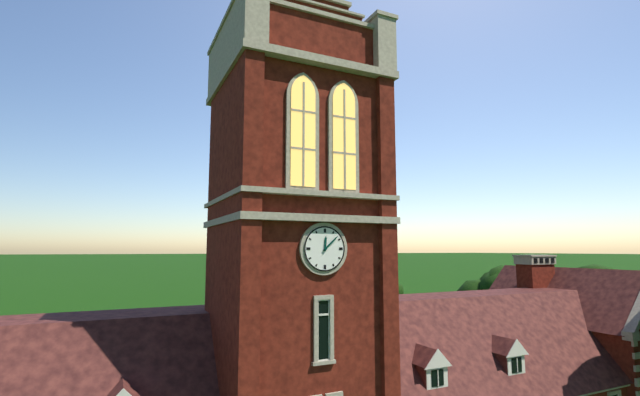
**12:08**
